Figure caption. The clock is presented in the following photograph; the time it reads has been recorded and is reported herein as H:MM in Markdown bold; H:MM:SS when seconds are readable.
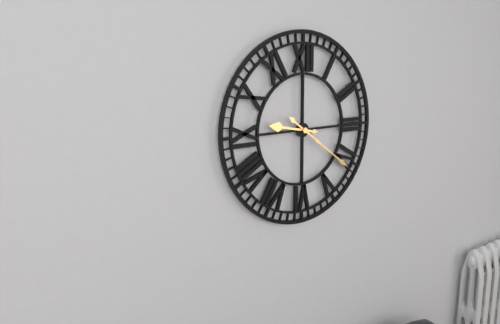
**9:21**
